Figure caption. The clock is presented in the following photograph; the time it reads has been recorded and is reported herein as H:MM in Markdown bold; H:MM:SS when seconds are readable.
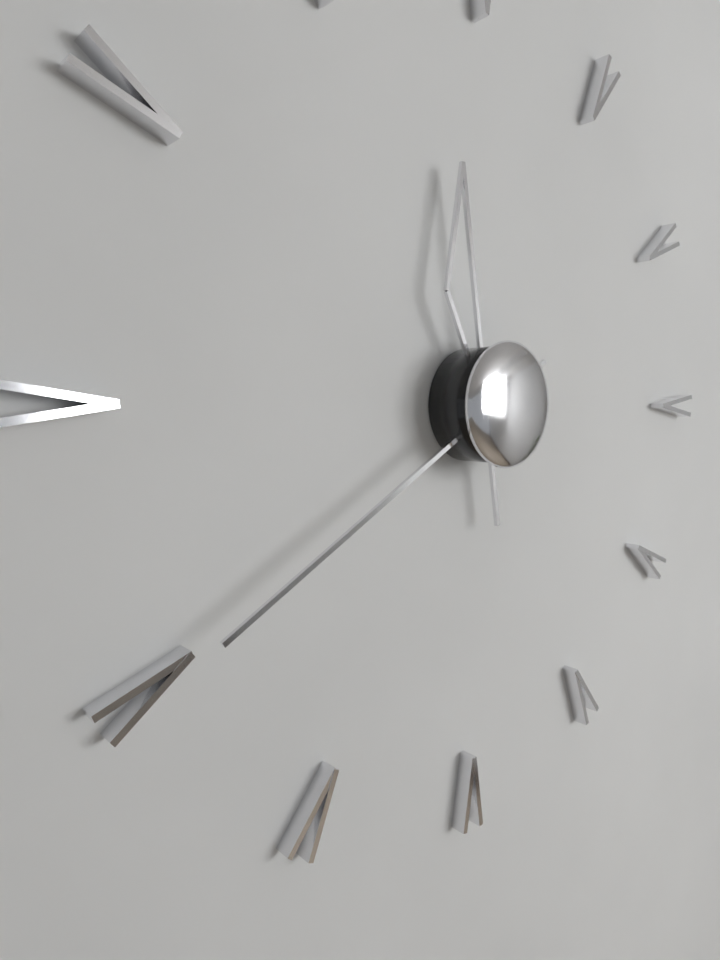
**11:40**
